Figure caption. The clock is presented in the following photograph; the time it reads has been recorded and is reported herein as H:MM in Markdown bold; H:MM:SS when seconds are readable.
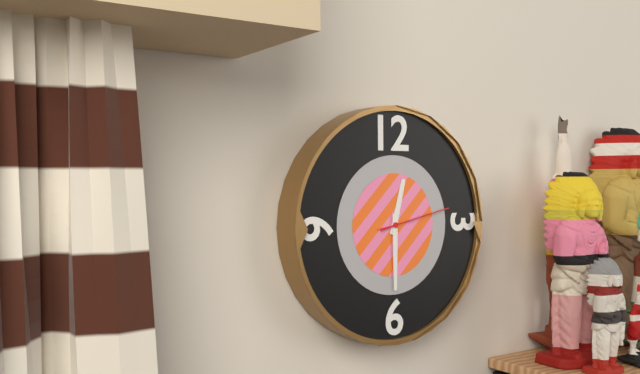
**12:30:13**
